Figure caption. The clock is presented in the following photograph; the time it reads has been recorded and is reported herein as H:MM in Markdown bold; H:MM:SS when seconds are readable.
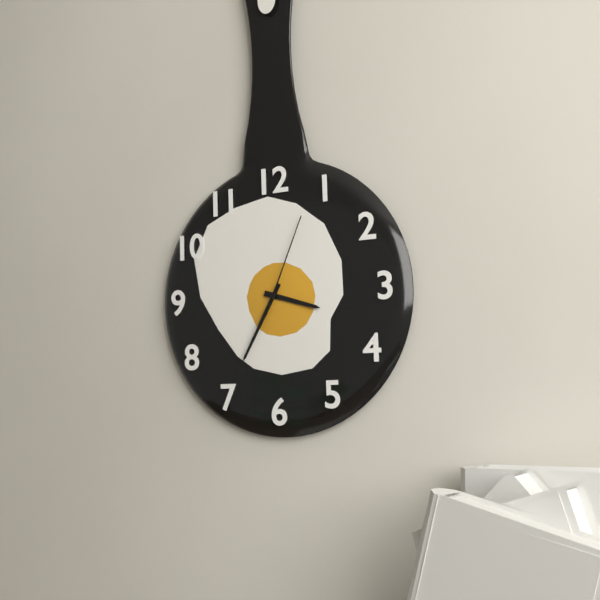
**3:35:04**
